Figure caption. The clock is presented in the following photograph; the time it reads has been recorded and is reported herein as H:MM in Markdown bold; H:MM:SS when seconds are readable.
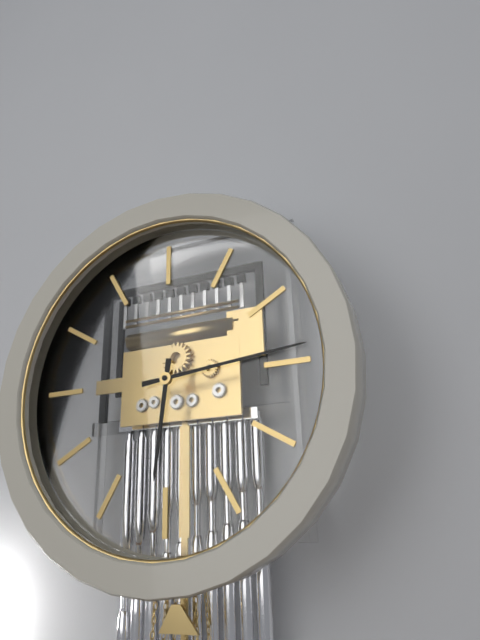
**6:14**
